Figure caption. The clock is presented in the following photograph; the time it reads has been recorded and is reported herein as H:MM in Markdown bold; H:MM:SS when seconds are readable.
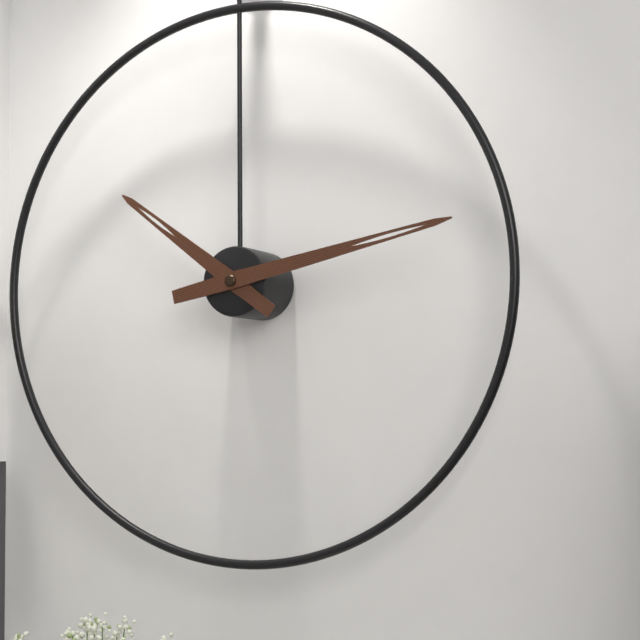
**10:13**
